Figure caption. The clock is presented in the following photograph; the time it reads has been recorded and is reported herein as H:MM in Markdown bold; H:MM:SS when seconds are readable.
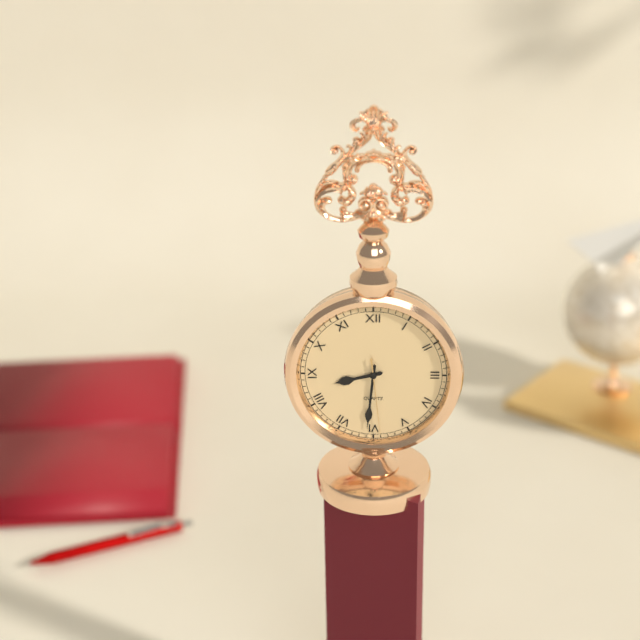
**8:31:29**
